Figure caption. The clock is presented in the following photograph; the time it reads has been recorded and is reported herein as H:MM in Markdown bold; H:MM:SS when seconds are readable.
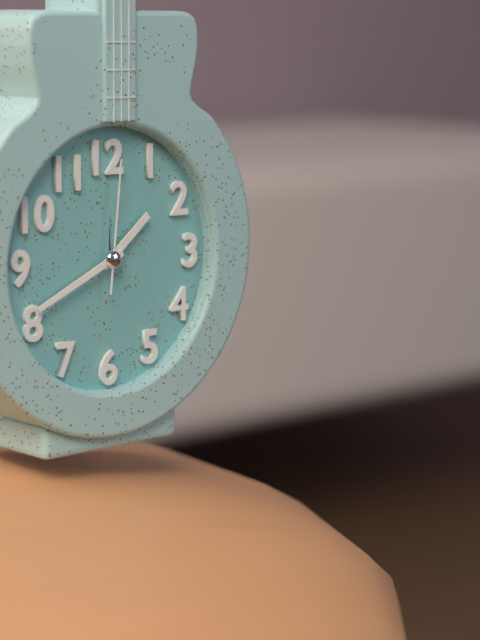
**1:41:01**
